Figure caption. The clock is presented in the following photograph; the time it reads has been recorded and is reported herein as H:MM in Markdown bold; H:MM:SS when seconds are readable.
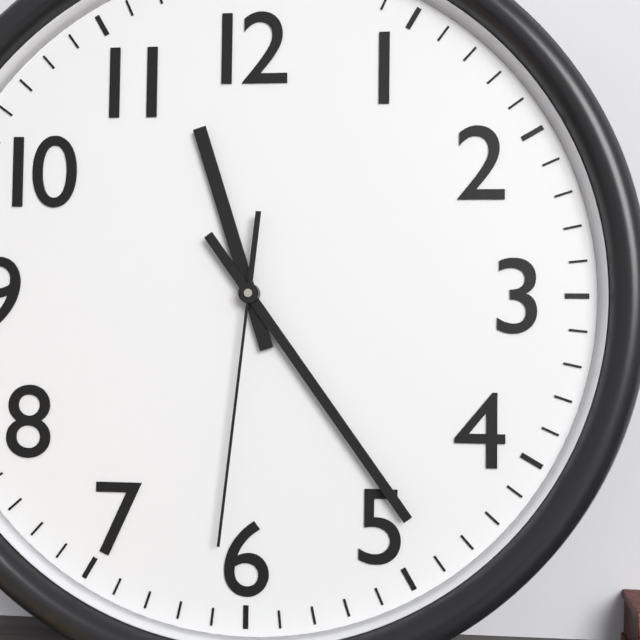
**11:24:31**
